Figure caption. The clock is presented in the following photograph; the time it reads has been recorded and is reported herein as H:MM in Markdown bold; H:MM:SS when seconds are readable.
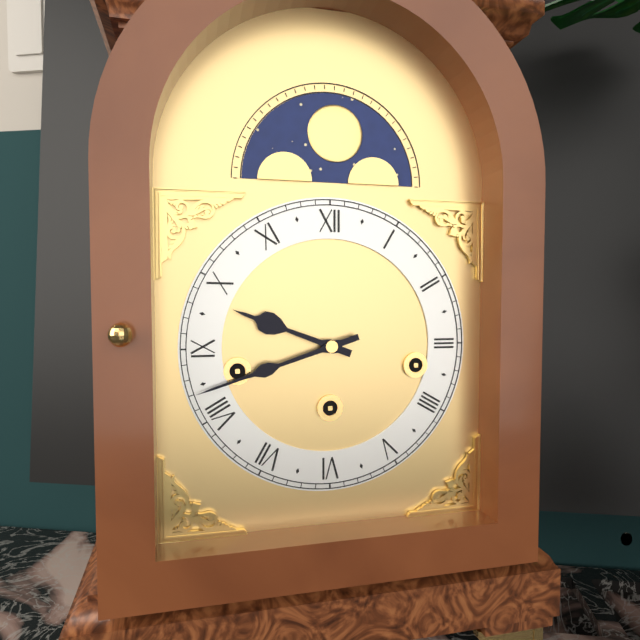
**9:42**
